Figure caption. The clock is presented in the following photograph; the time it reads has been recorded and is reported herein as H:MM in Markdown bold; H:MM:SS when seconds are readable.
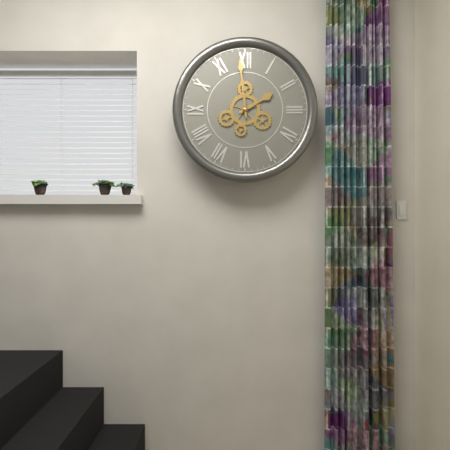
**1:59**
